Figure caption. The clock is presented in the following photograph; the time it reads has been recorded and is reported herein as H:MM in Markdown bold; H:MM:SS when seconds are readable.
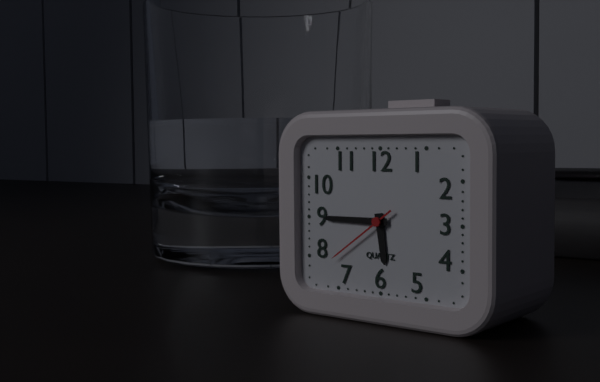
**5:45:39**
